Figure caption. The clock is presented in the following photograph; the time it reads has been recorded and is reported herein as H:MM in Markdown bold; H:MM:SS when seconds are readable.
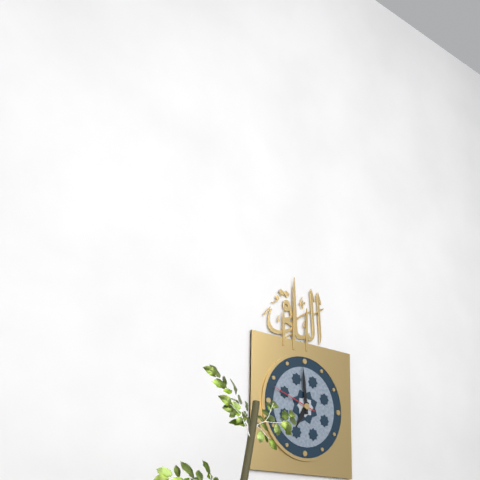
**6:59**
